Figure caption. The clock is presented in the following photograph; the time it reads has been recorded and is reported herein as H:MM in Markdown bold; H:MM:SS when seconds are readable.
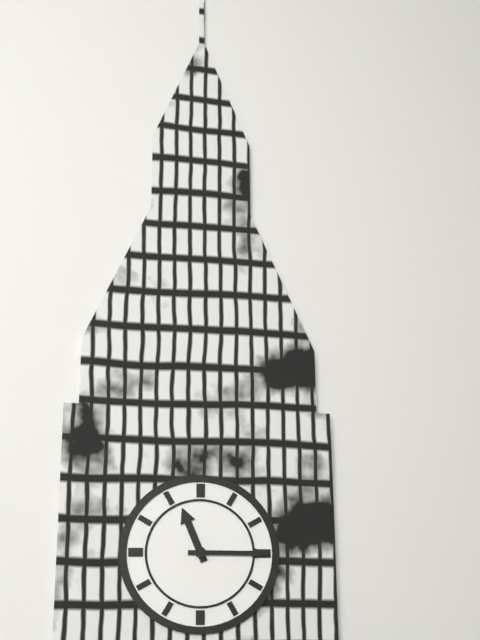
**11:15**
